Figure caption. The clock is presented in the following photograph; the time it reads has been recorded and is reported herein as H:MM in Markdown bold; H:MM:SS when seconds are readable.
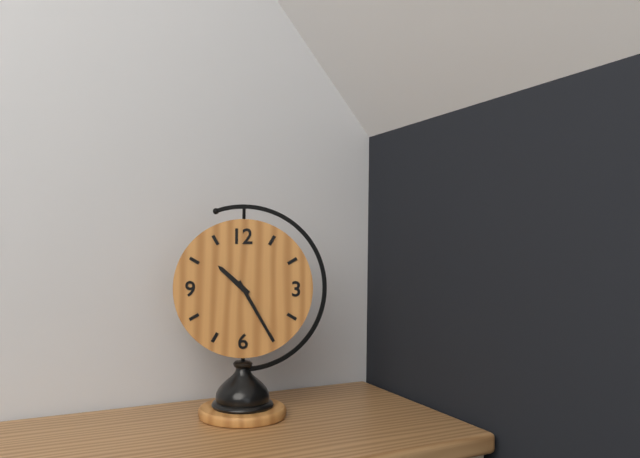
**10:25**
